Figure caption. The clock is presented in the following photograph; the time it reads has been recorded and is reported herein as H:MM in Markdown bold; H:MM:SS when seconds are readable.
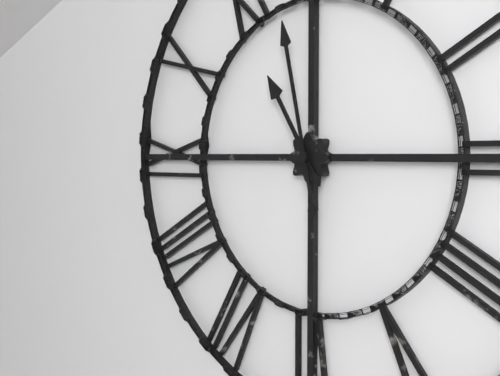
**10:58**
